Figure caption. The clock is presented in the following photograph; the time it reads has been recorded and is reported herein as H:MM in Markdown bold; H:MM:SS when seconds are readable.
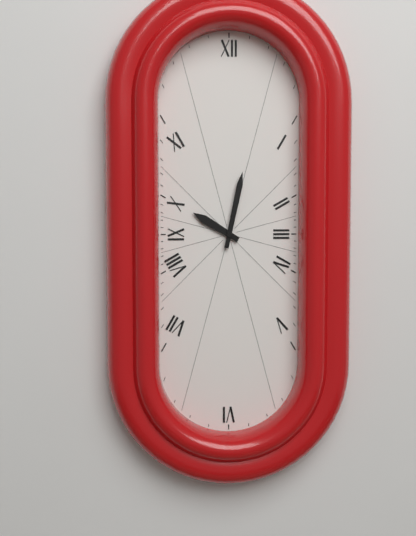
**10:02**
